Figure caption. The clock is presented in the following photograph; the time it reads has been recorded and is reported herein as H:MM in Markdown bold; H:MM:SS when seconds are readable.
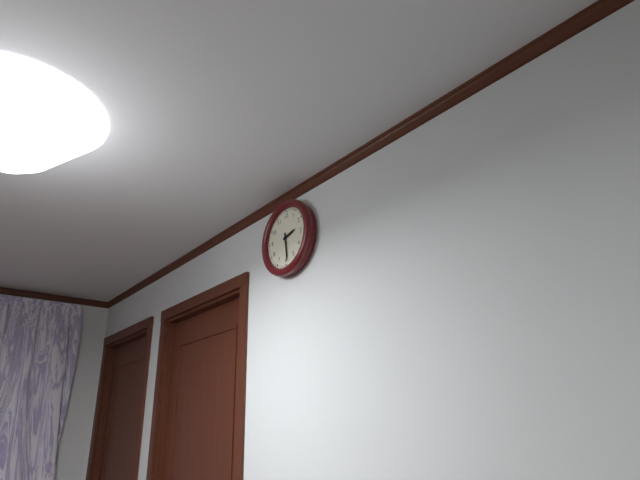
**2:29**
